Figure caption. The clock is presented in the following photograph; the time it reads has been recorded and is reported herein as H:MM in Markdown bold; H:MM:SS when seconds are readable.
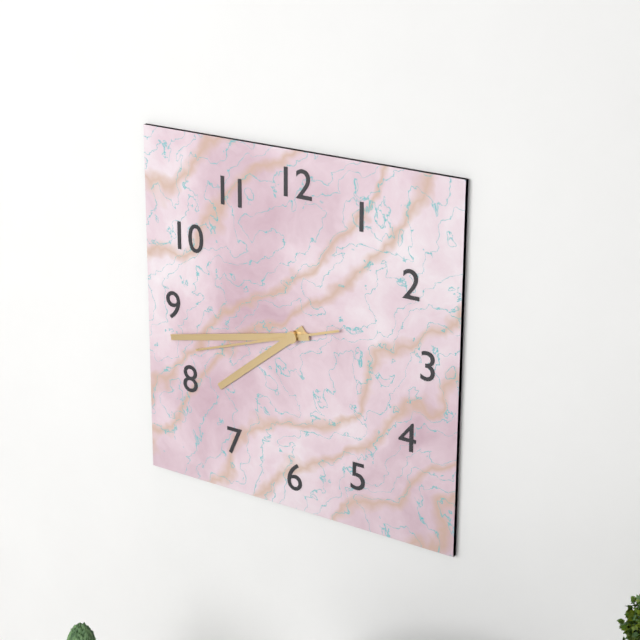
**7:43:42**
